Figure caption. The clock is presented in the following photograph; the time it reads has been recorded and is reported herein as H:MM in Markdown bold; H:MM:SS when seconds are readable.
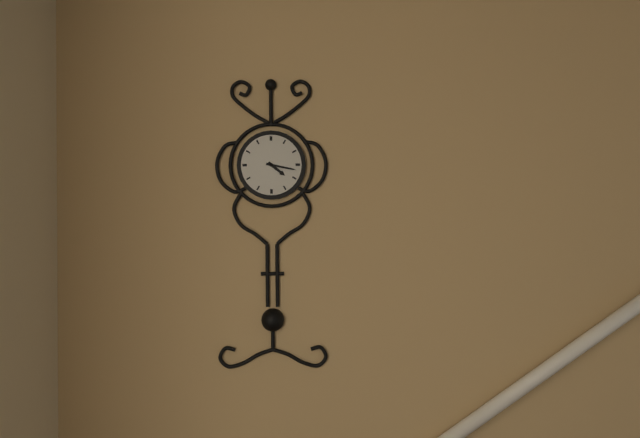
**4:17**
